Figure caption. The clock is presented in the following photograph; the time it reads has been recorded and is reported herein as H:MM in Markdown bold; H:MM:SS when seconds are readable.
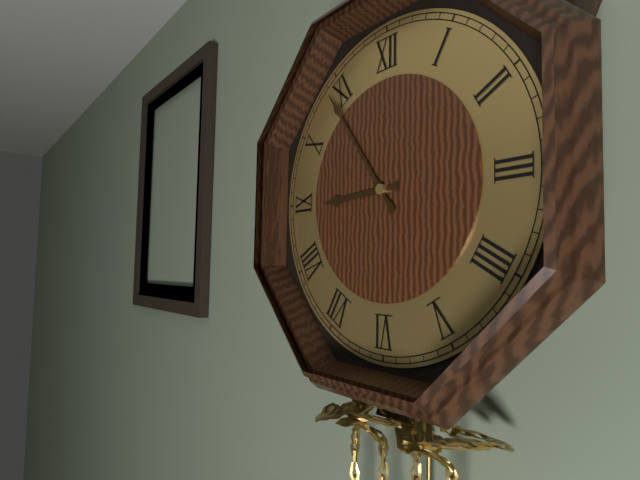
**8:54**
